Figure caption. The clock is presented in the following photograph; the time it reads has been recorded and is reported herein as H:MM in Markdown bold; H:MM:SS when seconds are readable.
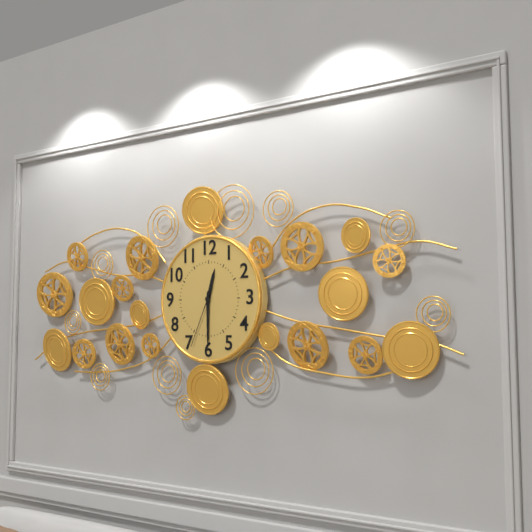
**12:30:34**
